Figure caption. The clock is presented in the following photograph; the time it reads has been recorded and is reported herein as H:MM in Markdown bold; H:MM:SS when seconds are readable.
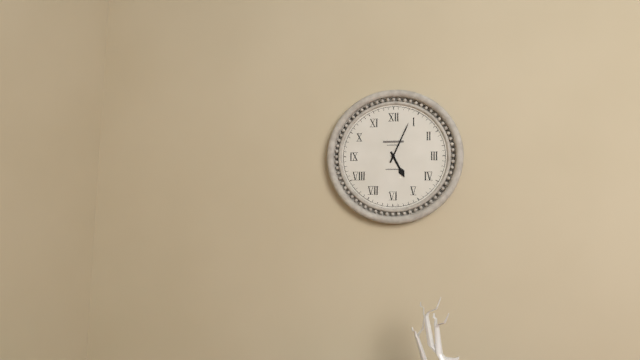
**5:04**
